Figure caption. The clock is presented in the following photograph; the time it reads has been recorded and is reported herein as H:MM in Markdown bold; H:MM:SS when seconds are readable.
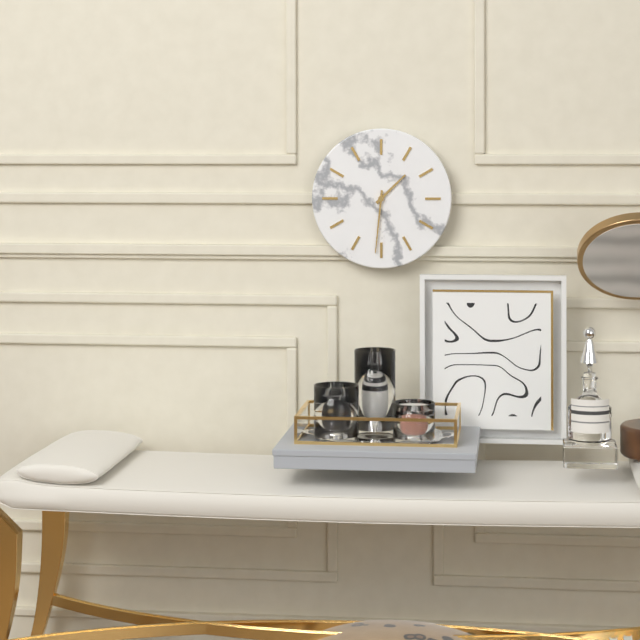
**1:31**
